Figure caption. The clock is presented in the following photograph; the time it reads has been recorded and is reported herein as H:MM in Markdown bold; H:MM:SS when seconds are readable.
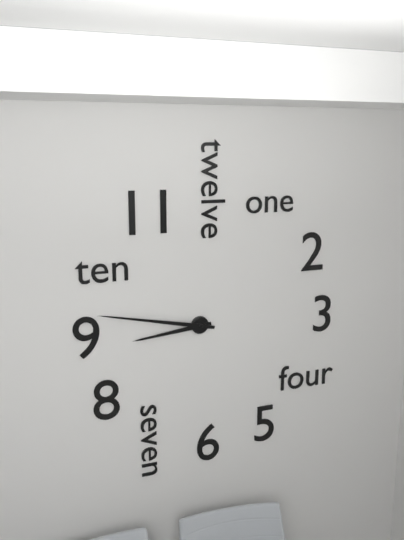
**8:47**
